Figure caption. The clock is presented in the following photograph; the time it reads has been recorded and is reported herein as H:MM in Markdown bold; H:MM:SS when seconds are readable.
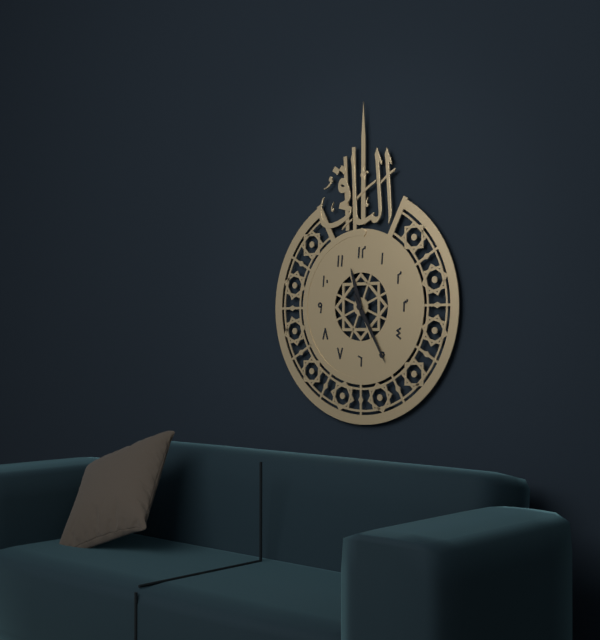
**11:25**
